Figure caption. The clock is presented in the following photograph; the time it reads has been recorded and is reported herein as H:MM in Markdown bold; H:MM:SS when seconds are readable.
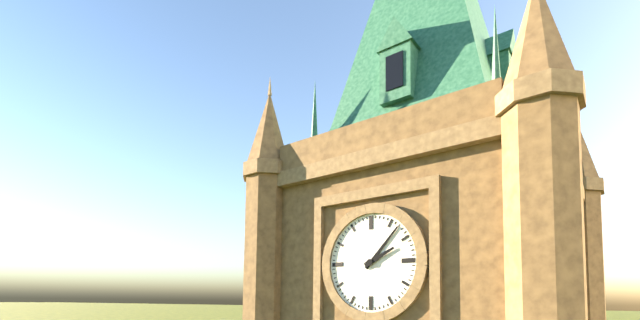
**2:07**
